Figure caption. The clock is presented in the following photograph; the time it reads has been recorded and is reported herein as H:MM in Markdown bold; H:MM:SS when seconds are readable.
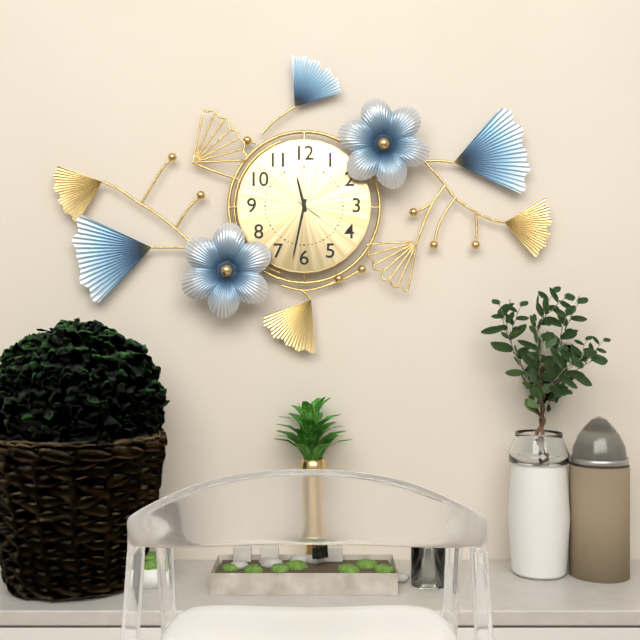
**11:32**
